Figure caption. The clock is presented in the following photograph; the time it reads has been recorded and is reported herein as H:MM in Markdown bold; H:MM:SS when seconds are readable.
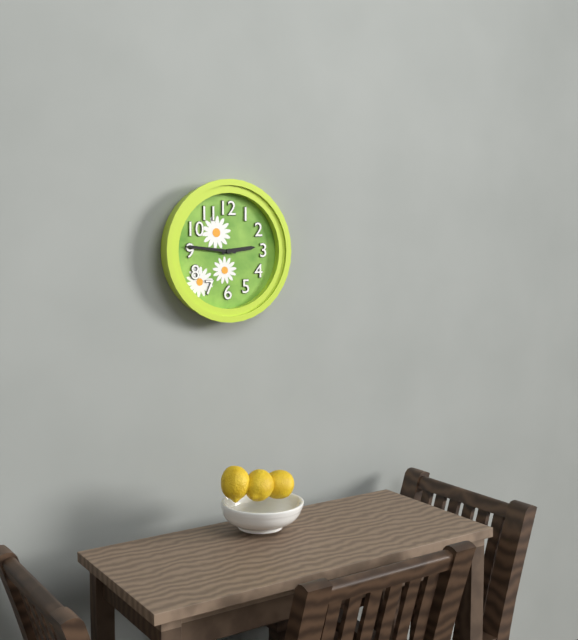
**2:46**
